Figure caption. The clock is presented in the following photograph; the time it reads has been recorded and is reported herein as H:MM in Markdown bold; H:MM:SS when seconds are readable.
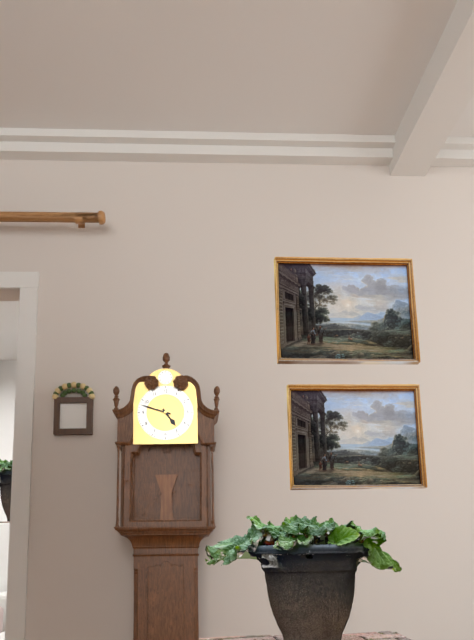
**4:48**
